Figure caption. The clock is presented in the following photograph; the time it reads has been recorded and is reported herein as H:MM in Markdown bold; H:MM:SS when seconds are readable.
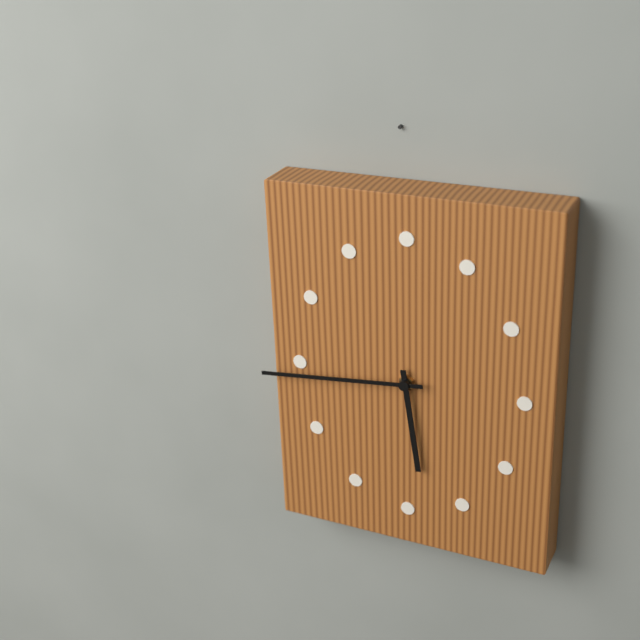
**5:44**
